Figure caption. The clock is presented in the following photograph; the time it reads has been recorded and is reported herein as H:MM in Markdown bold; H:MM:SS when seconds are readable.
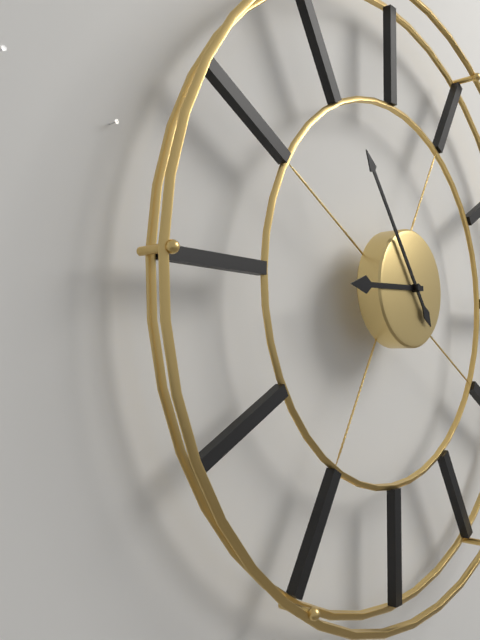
**8:54**
